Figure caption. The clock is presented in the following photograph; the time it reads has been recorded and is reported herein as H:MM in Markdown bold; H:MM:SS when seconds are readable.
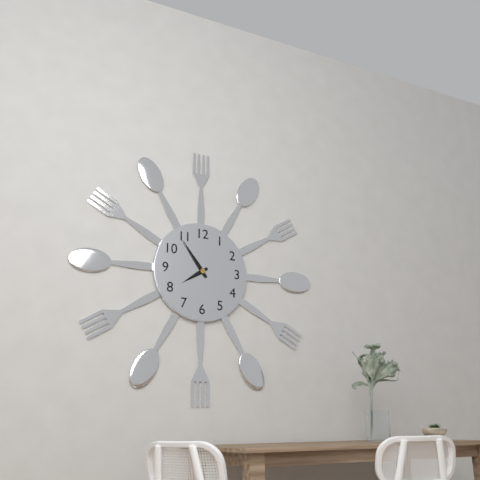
**7:54**
